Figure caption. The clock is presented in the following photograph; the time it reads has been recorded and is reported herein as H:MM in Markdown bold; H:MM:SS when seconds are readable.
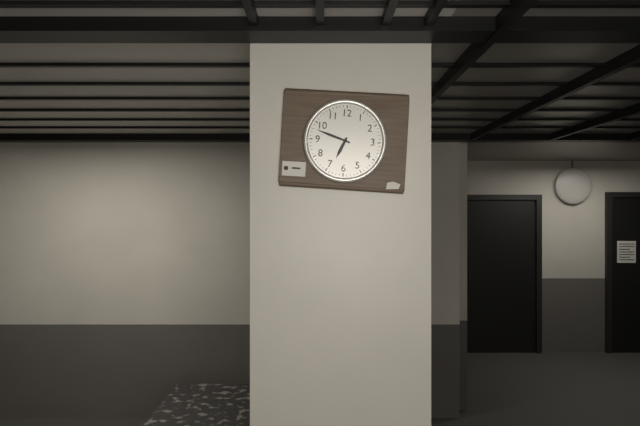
**6:48**
